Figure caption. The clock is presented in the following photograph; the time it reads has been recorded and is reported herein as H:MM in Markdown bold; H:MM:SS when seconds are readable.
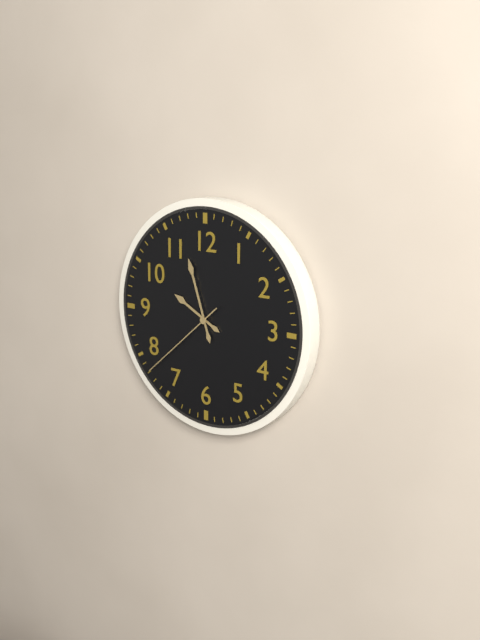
**9:57:38**
